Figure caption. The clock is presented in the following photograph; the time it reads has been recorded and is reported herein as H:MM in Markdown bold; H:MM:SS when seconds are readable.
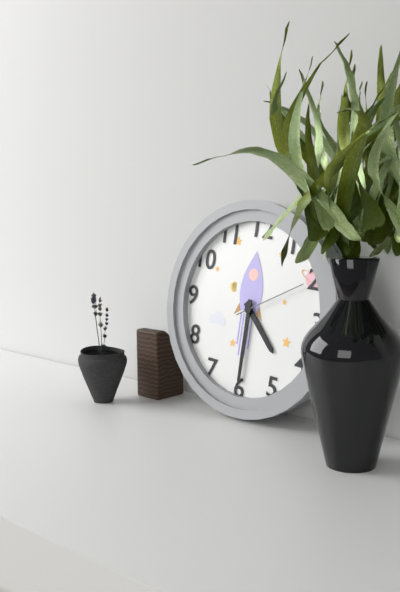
**4:30:10**
